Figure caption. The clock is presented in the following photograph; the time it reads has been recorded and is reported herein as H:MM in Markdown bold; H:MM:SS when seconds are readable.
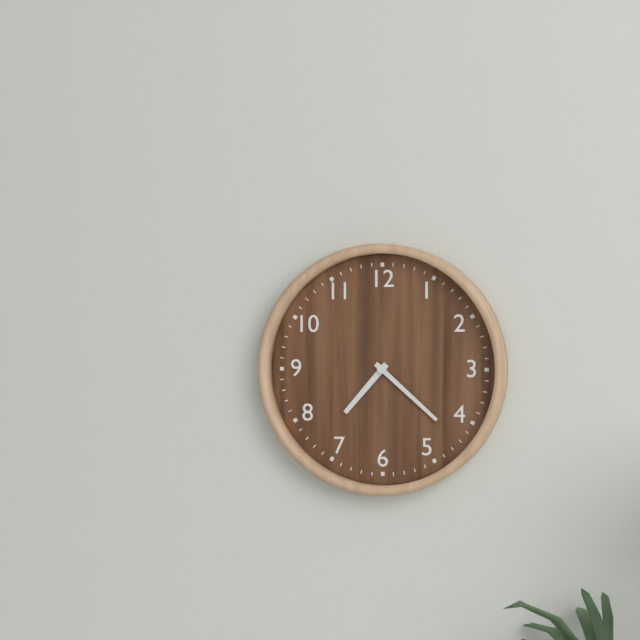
**7:22**
